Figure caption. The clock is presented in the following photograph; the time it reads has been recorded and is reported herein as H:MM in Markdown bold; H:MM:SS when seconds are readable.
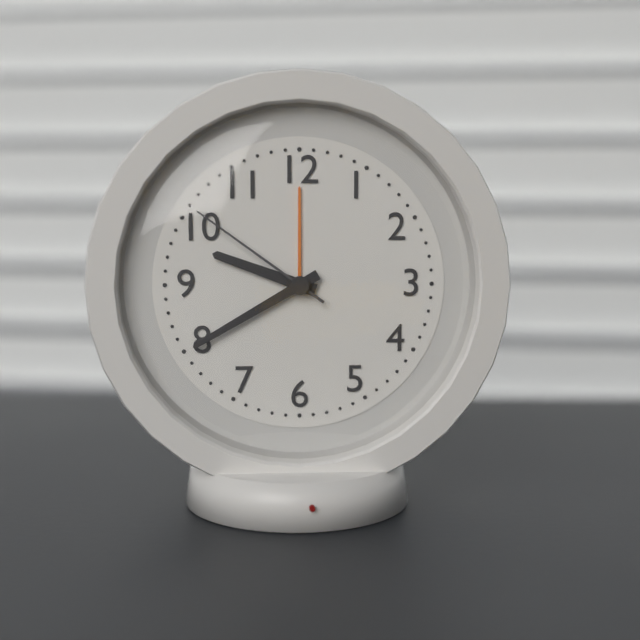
**9:40:51**
